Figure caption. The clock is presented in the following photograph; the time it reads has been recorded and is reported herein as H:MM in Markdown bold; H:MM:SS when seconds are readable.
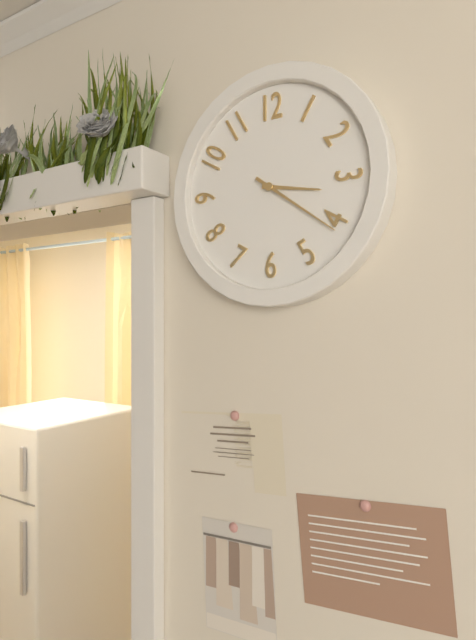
**3:21**
